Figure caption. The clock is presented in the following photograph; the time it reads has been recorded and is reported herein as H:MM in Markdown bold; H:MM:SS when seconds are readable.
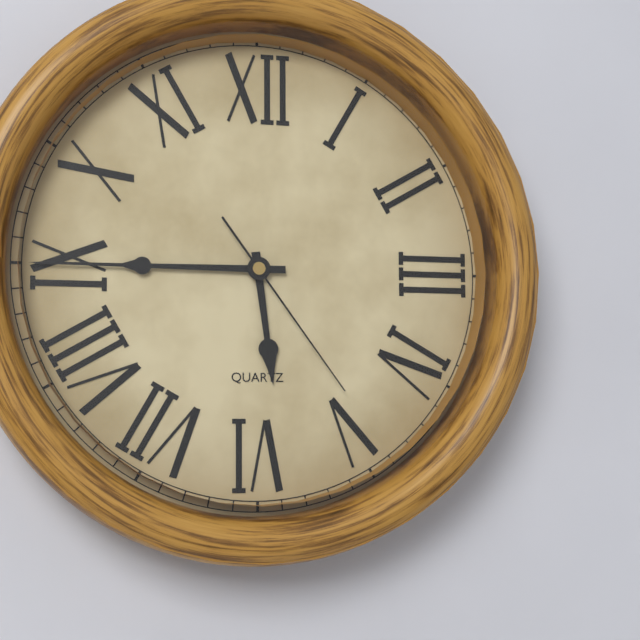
**5:45:24**
